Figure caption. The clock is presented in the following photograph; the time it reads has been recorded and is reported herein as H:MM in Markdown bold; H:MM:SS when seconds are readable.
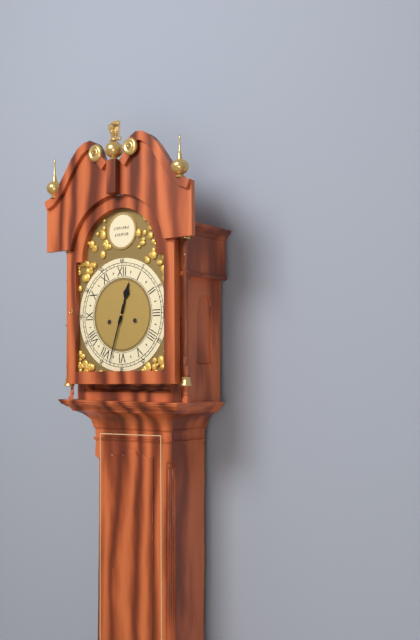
**12:33**
